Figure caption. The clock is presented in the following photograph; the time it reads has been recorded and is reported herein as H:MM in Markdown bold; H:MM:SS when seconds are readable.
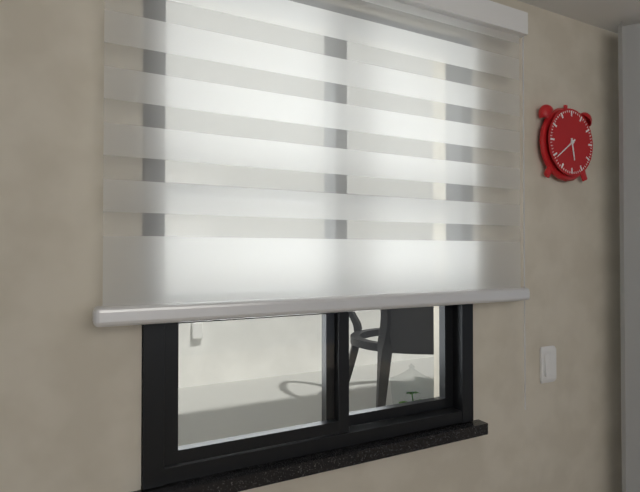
**5:39**
